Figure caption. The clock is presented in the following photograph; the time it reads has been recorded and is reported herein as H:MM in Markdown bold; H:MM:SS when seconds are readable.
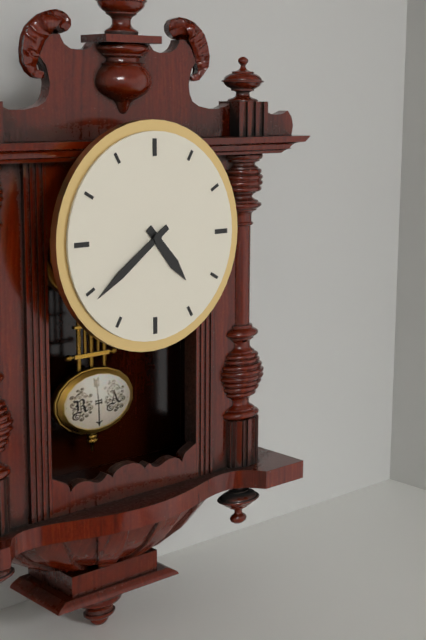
**4:39**
